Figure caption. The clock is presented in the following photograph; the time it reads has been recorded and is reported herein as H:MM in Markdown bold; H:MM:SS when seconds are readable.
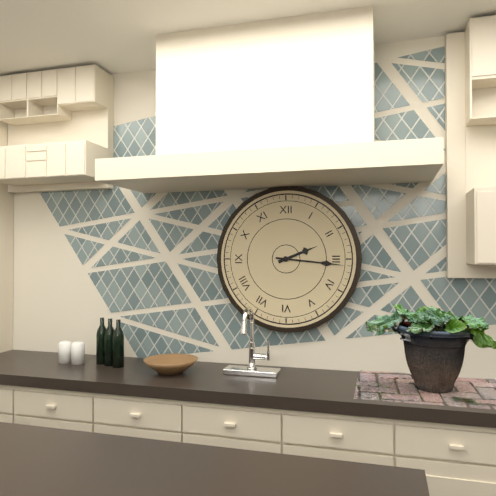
**2:16**
